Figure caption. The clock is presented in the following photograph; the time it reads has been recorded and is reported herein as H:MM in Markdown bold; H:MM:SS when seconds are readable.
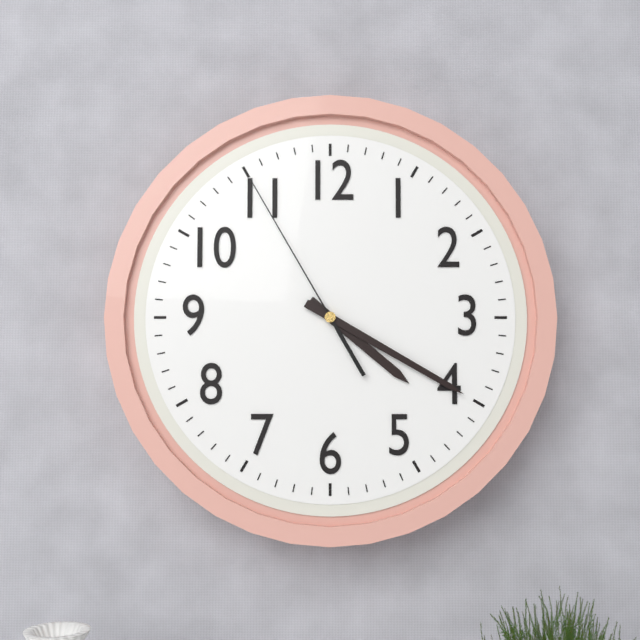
**4:20:55**
